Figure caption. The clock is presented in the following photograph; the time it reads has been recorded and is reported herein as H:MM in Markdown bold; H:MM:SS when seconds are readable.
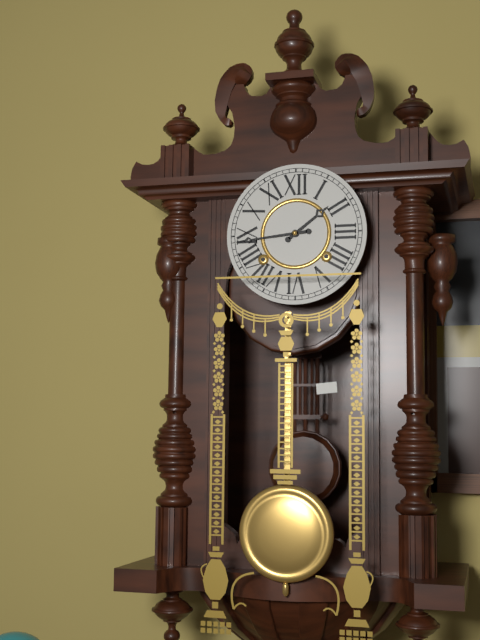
**1:44**
